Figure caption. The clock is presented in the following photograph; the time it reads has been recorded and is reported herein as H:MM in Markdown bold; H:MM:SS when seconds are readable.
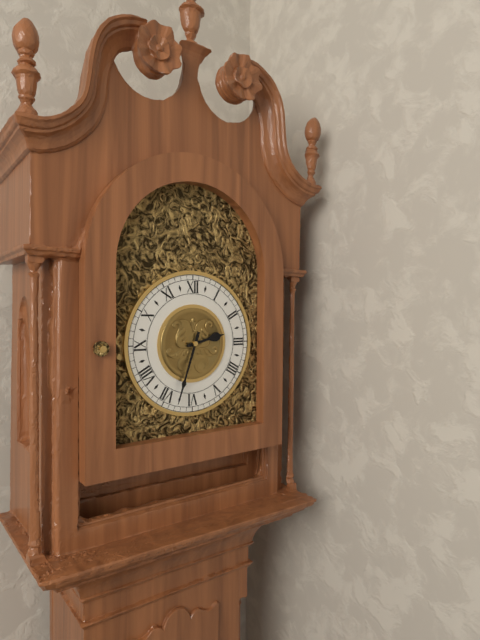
**2:33**
